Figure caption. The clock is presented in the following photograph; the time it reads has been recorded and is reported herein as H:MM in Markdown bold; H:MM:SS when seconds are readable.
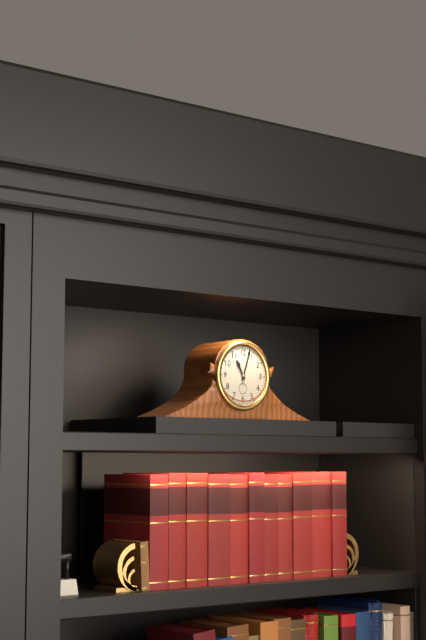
**11:03**
